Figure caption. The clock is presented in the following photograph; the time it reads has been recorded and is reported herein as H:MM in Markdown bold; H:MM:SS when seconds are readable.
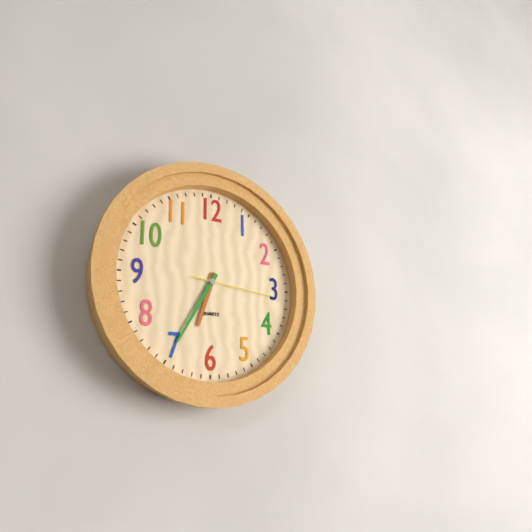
**6:35:16**
